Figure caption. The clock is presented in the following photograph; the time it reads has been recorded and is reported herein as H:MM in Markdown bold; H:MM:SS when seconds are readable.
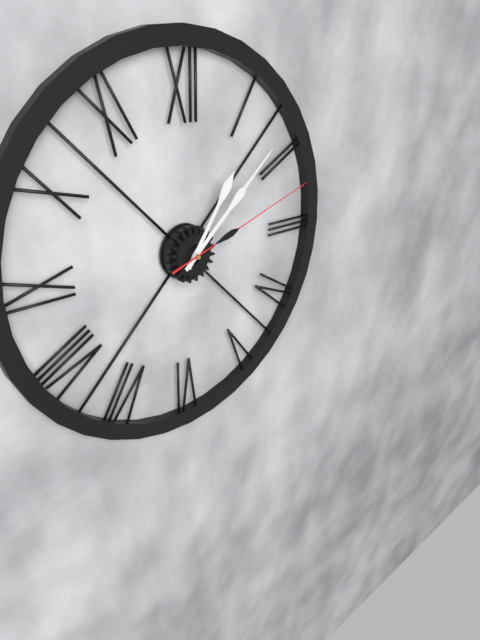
**1:08:12**
